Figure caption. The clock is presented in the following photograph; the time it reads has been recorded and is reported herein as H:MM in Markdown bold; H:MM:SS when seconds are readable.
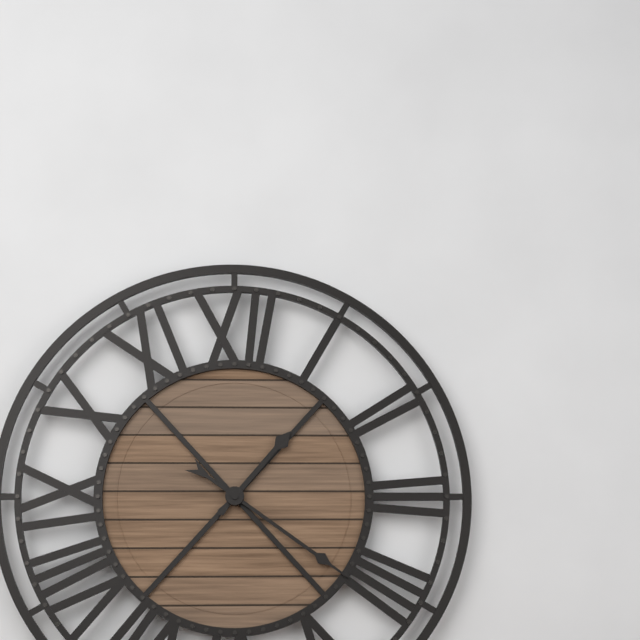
**1:21**
